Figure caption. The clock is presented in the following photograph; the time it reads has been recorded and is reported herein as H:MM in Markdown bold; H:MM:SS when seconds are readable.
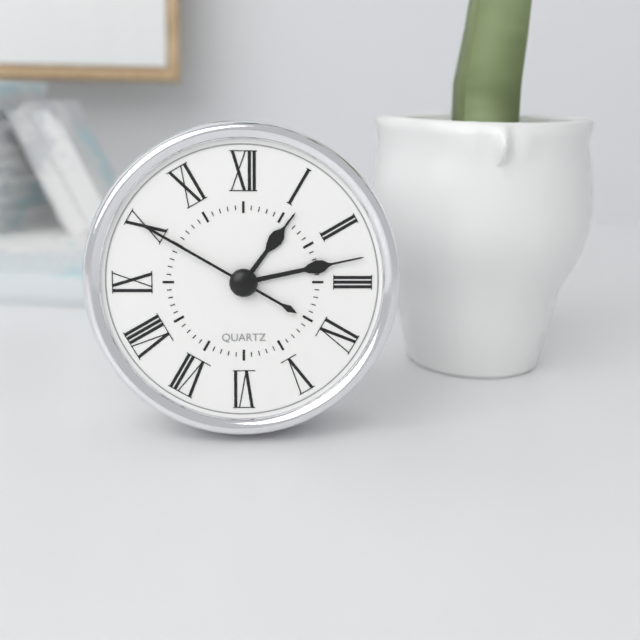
**1:13:50**
